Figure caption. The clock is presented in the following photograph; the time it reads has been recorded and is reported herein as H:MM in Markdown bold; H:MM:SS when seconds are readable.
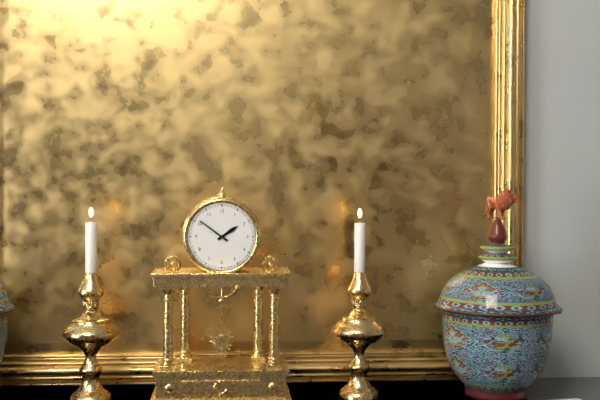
**1:51**
